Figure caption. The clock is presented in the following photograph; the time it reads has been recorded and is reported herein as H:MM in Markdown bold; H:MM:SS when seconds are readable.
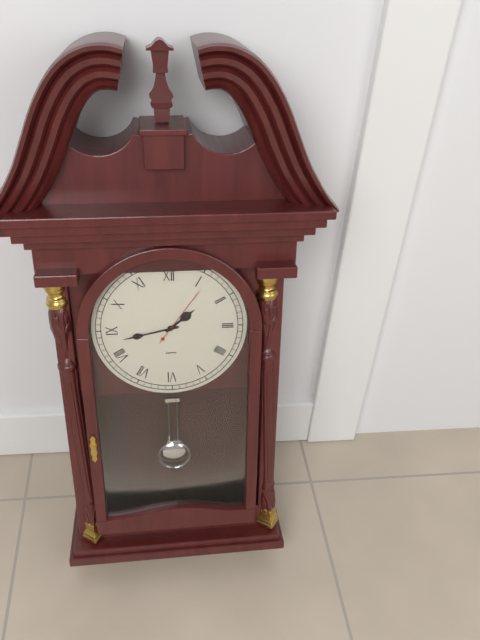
**1:43:06**
